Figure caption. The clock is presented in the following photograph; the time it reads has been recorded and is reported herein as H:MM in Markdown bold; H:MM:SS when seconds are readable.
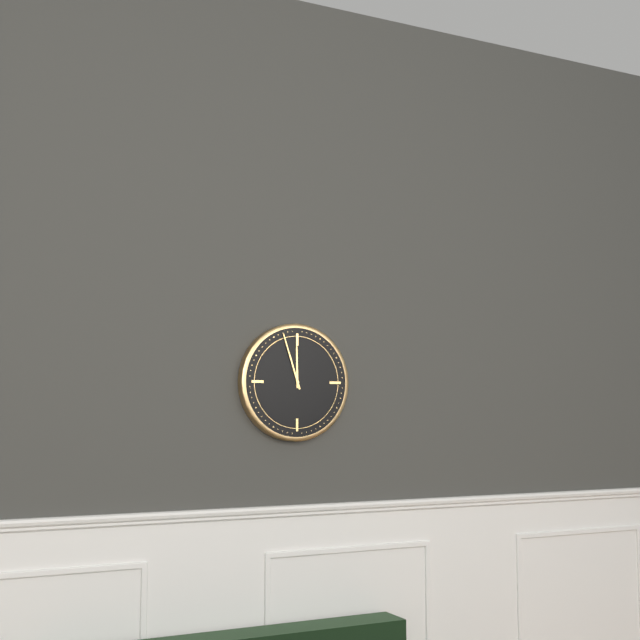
**11:57**
